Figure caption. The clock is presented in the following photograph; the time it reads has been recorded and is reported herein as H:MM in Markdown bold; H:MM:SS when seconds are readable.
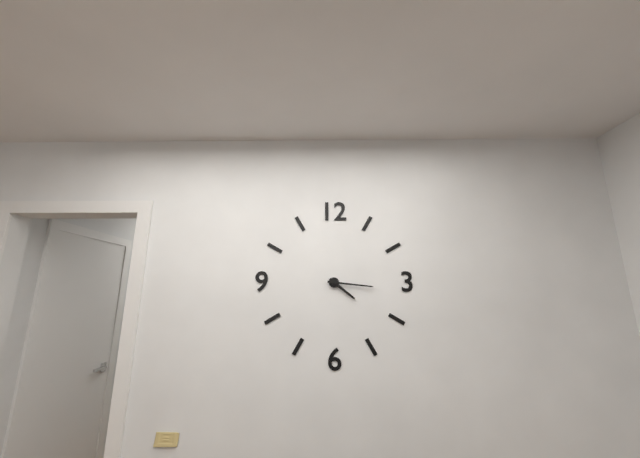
**4:16**
